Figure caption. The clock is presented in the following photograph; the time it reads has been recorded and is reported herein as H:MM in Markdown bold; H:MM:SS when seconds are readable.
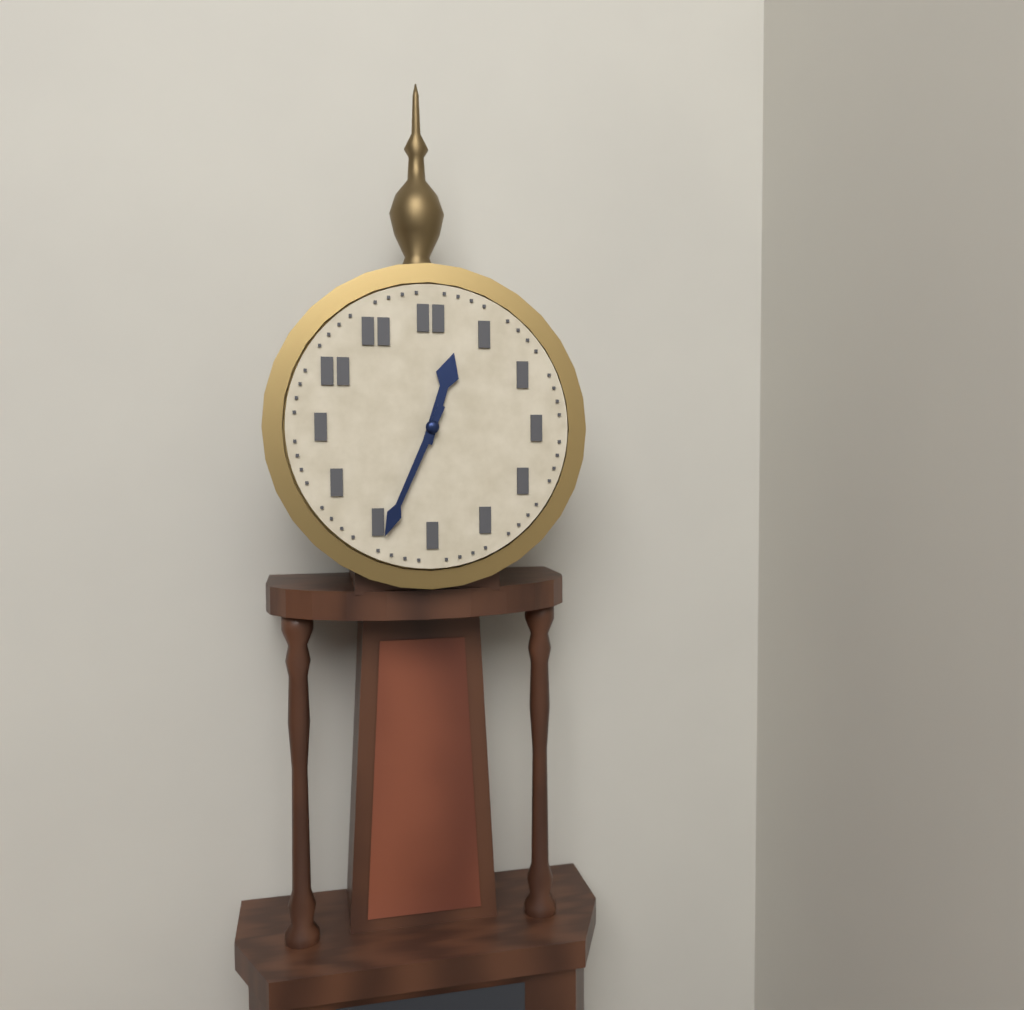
**12:34**
